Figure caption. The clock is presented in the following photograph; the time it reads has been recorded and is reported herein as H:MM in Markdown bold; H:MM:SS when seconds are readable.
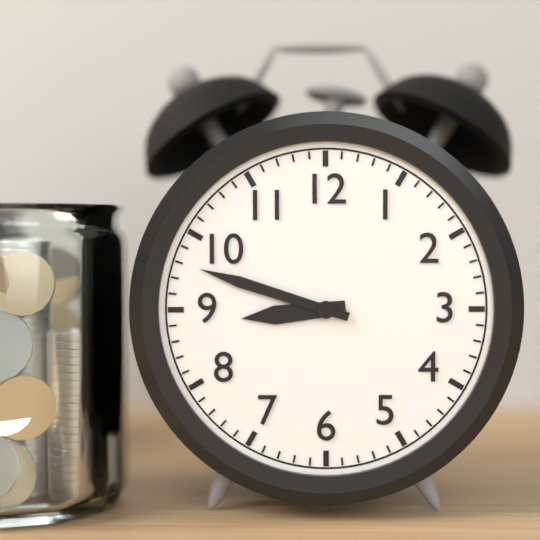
**8:48**
